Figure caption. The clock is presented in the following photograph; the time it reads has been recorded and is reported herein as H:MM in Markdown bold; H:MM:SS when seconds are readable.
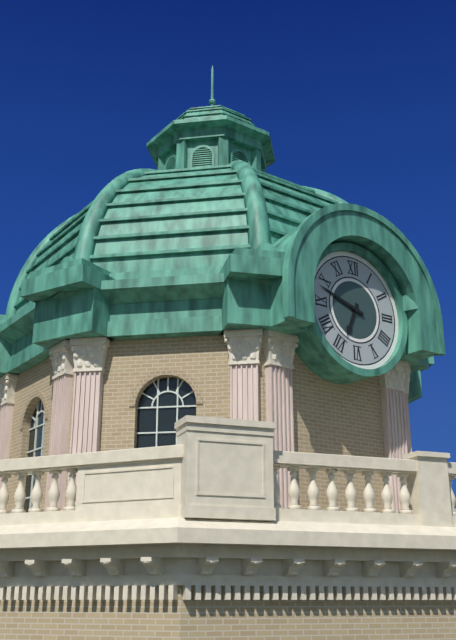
**6:48**
